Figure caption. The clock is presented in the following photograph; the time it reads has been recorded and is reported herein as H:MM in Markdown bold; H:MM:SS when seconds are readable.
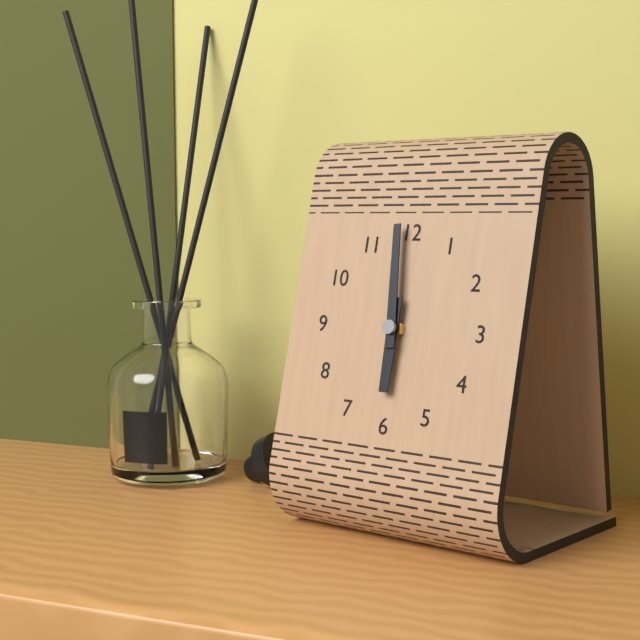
**5:59**
